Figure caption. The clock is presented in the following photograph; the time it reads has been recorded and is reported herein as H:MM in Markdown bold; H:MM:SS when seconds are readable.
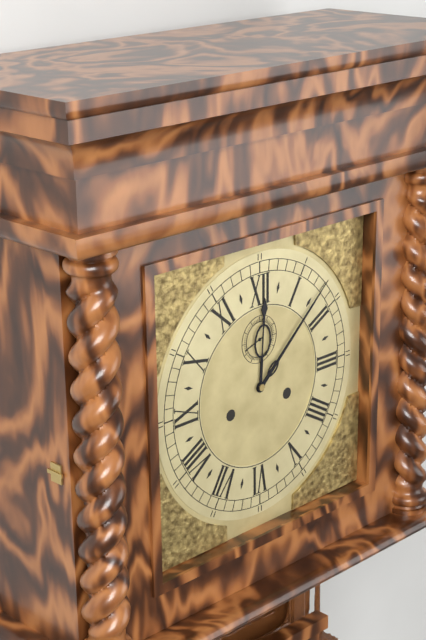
**12:08**
